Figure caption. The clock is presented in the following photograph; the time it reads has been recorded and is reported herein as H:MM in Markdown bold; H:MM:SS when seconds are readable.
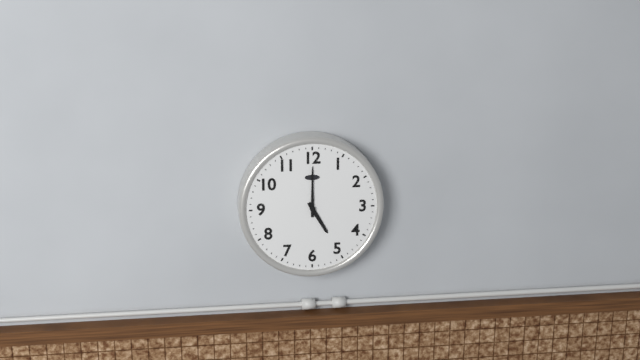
**5:00**
